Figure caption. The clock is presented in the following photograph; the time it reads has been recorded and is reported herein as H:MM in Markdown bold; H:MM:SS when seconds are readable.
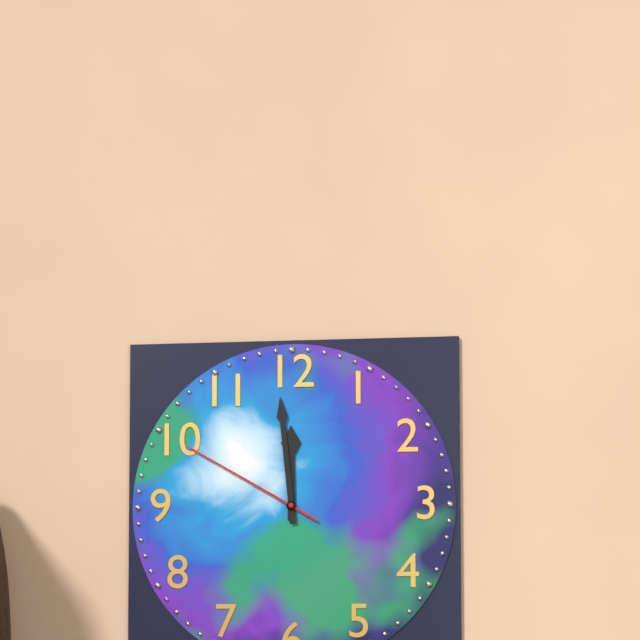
**11:59:50**
